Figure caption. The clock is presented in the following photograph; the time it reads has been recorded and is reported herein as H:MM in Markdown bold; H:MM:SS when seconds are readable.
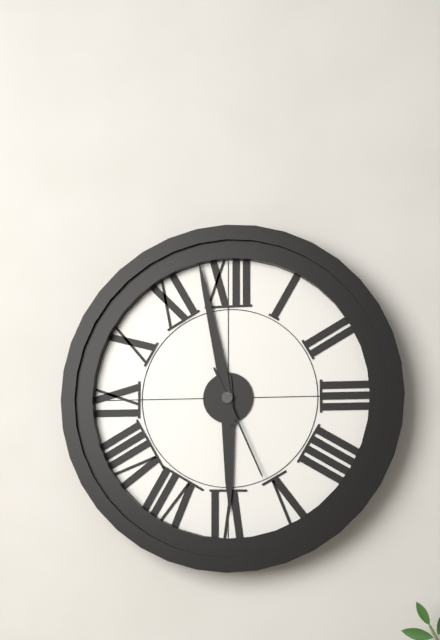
**5:58:26**
